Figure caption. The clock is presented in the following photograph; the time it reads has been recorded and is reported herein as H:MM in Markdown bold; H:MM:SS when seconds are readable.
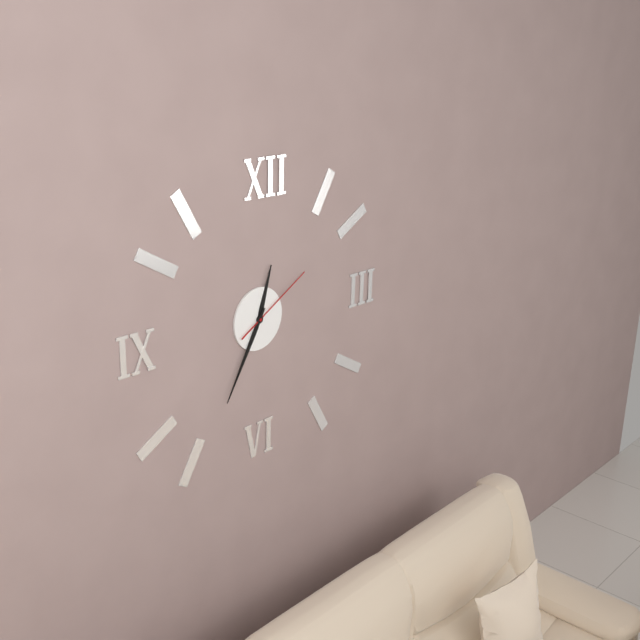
**12:35:10**
